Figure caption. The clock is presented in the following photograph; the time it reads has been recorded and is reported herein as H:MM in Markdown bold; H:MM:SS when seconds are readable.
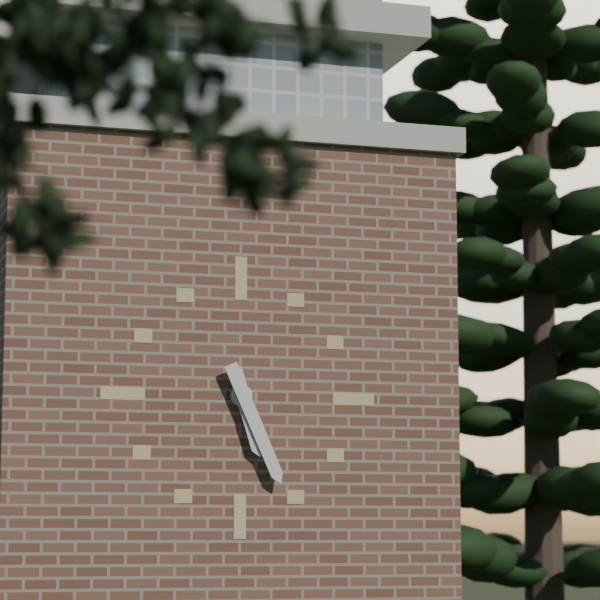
**5:26**
